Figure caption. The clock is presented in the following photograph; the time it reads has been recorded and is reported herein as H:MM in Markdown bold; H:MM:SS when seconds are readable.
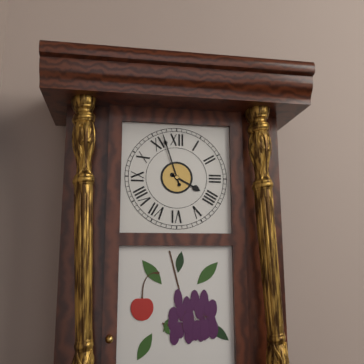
**3:57**
